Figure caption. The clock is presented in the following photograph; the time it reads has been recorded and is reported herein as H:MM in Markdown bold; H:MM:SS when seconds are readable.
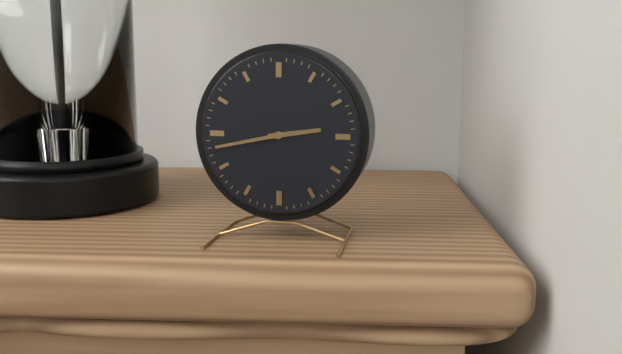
**2:43**
